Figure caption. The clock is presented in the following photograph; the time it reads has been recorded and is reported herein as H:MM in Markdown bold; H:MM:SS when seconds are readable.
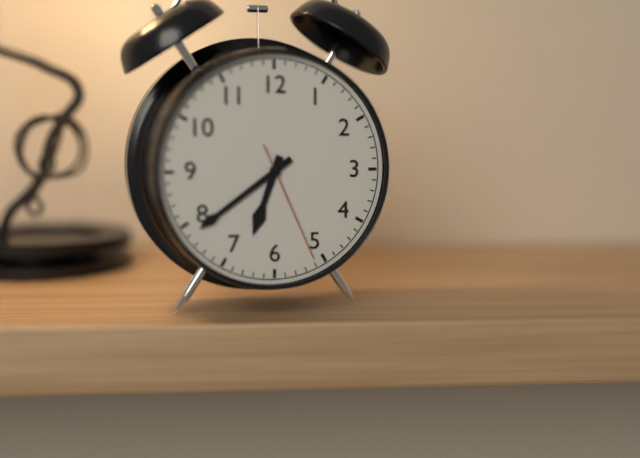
**6:39:26**
